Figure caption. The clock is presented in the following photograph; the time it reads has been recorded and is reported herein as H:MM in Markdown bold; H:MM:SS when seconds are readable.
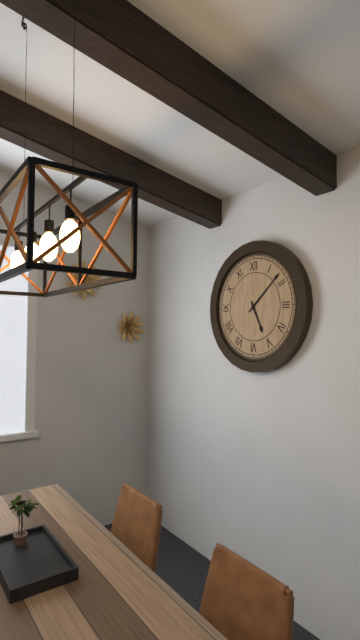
**5:08**
